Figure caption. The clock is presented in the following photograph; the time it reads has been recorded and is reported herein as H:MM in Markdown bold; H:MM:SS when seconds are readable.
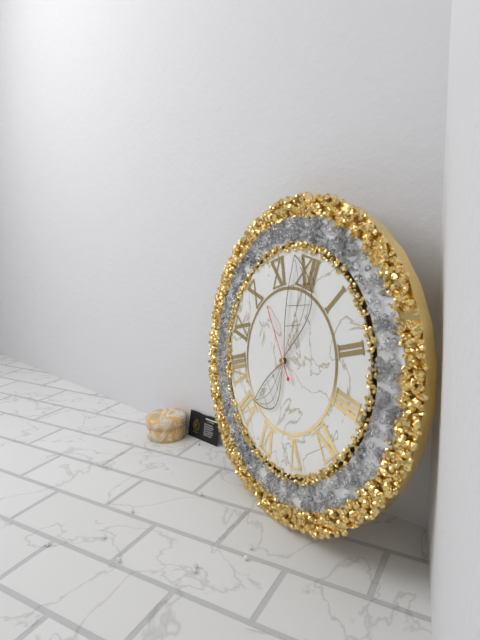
**6:58:52**
